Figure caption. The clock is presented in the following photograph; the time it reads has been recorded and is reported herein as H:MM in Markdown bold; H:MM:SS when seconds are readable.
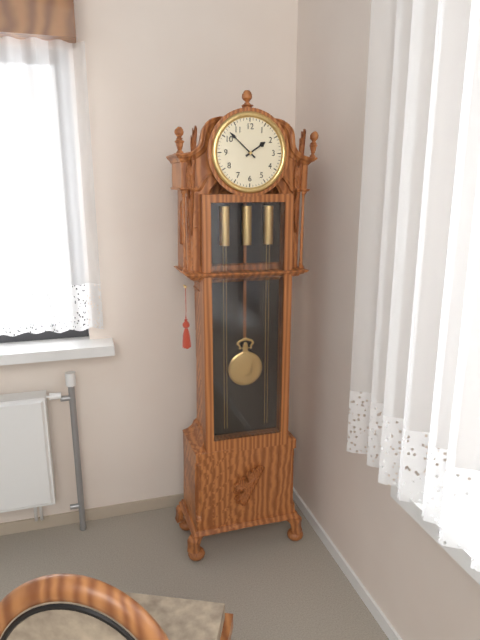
**1:52**
